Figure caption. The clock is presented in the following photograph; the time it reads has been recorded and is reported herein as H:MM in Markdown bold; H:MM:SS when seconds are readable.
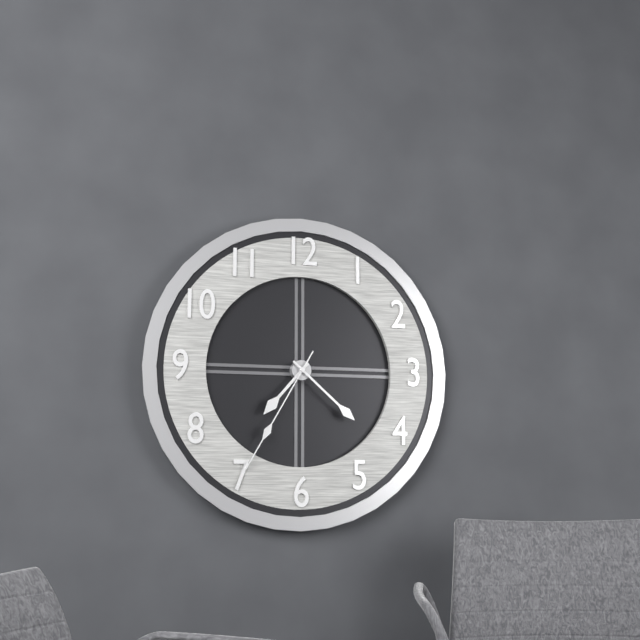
**7:22:35**
